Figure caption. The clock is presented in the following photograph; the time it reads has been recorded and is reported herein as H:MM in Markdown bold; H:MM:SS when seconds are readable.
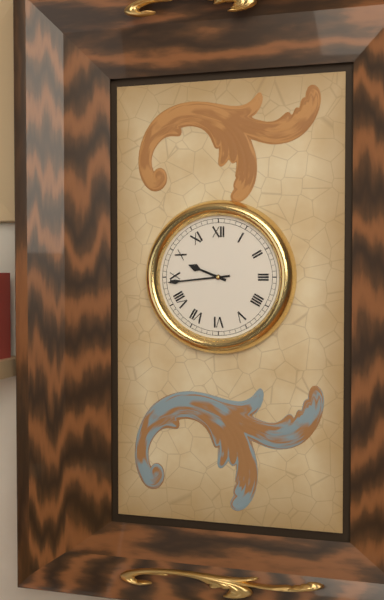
**9:44**
